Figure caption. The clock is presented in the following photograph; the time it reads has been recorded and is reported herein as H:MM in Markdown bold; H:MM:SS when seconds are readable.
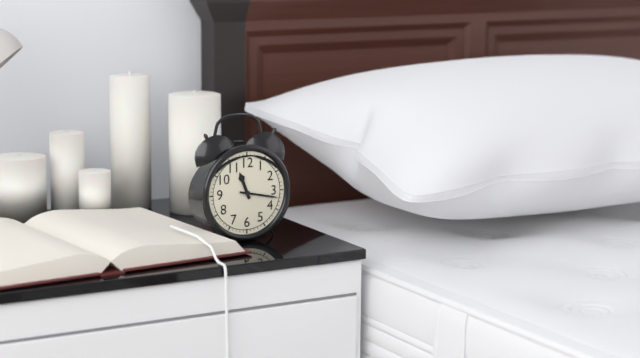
**11:17**
